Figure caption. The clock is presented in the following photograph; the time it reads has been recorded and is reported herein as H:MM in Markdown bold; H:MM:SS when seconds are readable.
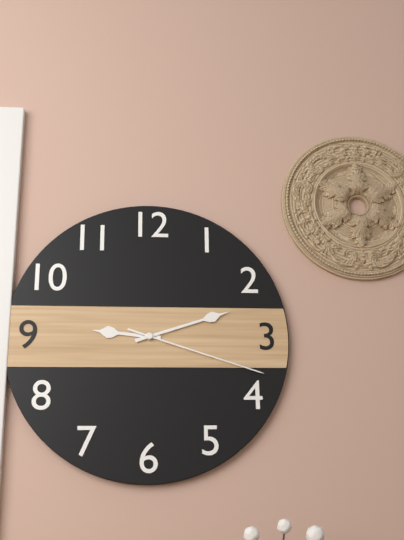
**9:12:18**
